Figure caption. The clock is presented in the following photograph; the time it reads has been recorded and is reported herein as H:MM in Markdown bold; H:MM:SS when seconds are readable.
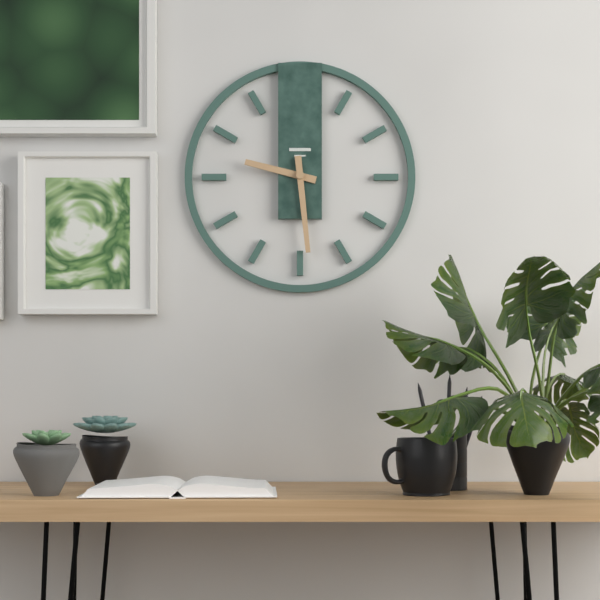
**9:29**
